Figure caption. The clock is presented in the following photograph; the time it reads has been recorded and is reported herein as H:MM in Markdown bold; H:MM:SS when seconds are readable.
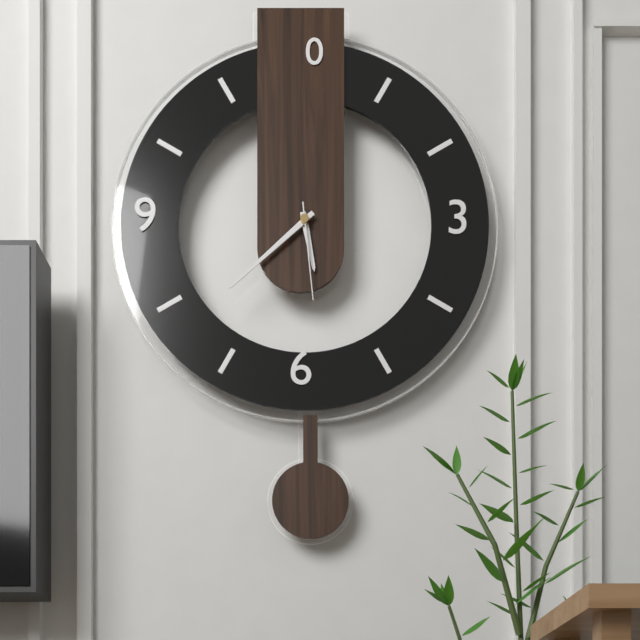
**5:38:29**
